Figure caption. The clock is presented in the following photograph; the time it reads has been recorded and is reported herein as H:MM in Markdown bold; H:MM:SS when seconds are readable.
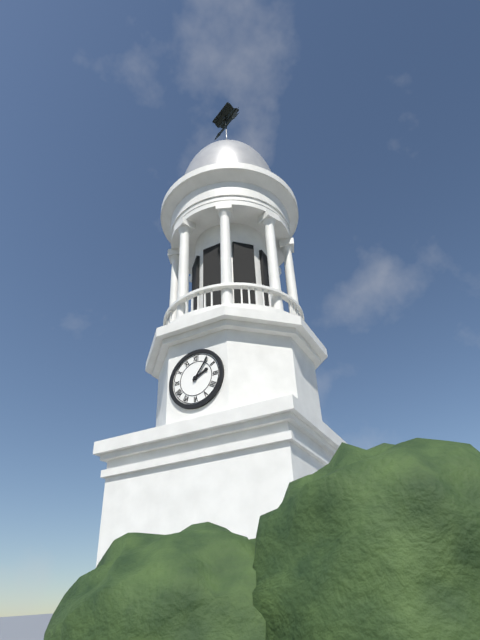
**2:06**
